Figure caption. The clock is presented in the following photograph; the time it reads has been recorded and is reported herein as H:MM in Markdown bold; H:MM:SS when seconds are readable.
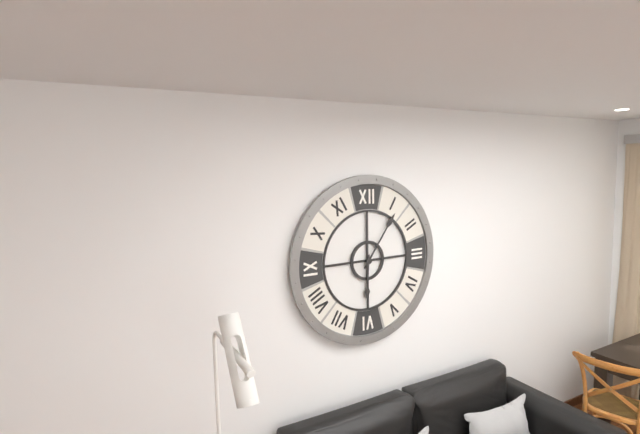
**6:06**
